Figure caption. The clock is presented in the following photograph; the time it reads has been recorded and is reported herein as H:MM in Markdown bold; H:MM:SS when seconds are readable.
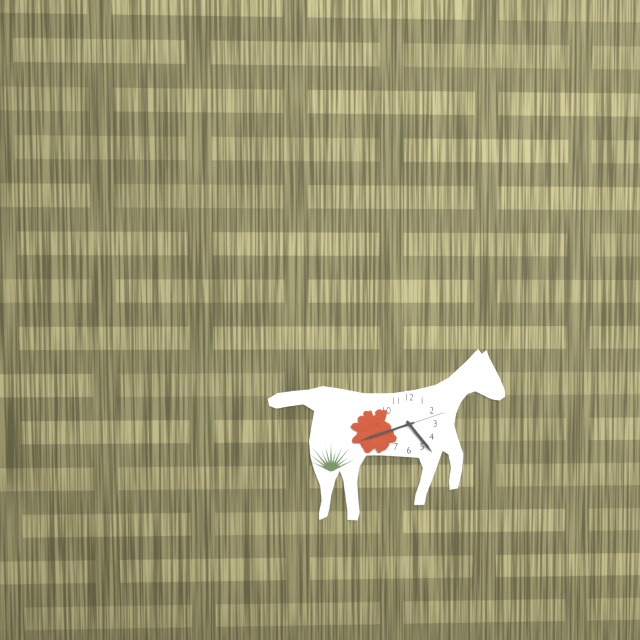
**4:42:12**
